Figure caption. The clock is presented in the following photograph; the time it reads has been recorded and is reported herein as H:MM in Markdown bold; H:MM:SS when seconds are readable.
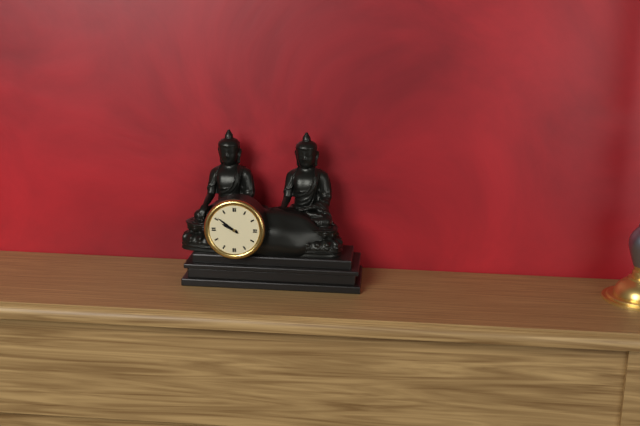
**9:51**
